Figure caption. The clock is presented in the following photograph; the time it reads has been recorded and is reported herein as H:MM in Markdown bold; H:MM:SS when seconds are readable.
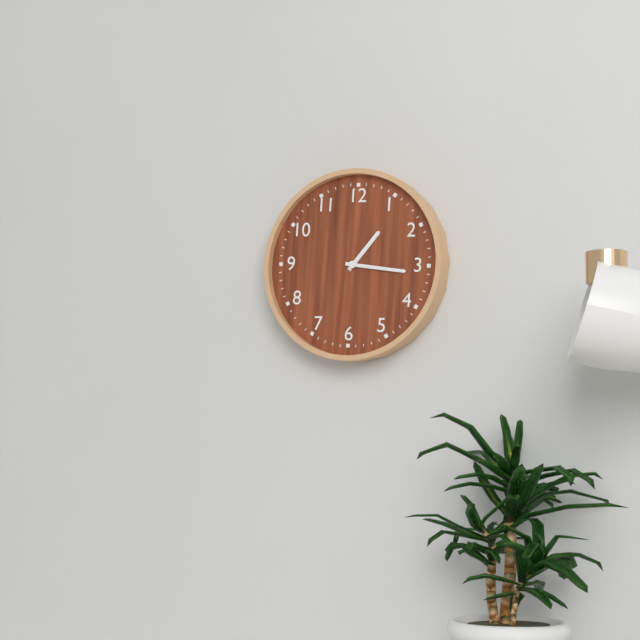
**1:16**
